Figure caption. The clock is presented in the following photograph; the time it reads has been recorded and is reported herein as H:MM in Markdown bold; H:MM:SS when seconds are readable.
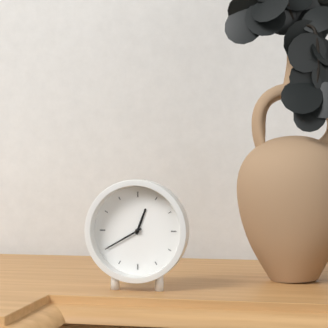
**12:40**
